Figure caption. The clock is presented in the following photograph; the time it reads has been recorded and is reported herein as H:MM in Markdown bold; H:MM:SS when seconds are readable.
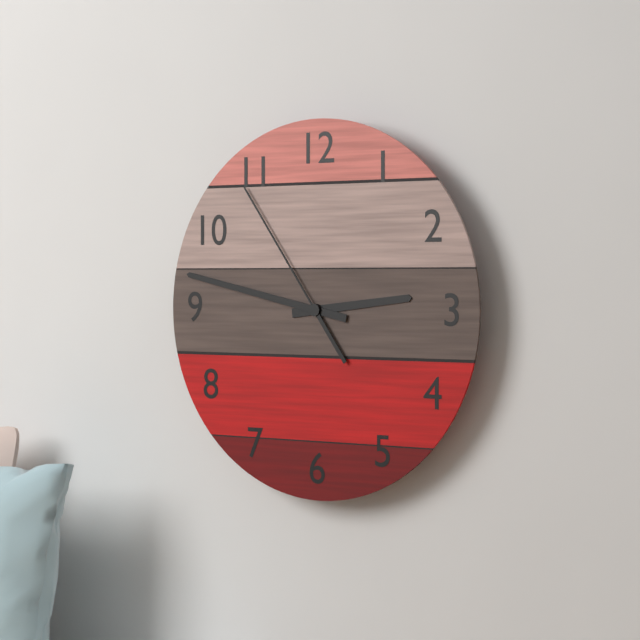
**2:47:54**
